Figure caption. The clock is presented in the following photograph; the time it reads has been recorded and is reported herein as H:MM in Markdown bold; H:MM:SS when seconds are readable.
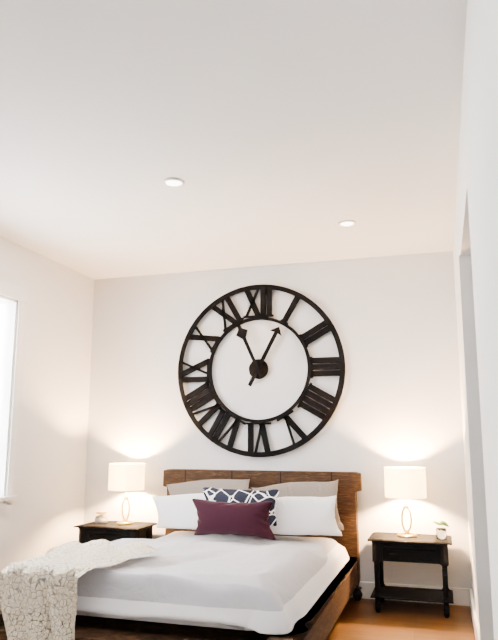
**12:56**
